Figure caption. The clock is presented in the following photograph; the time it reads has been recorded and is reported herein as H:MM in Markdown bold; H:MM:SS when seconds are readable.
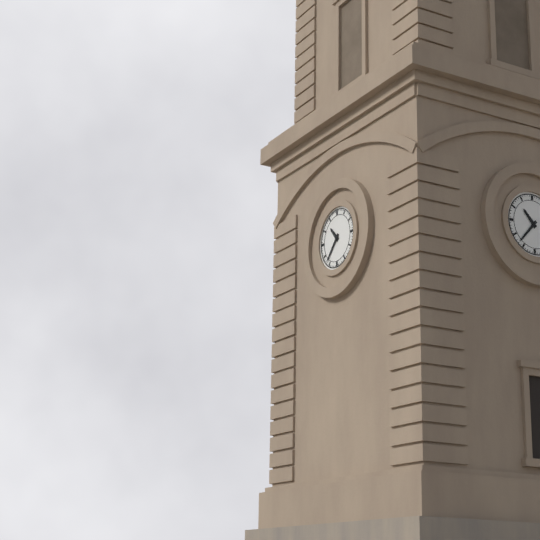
**10:37**
